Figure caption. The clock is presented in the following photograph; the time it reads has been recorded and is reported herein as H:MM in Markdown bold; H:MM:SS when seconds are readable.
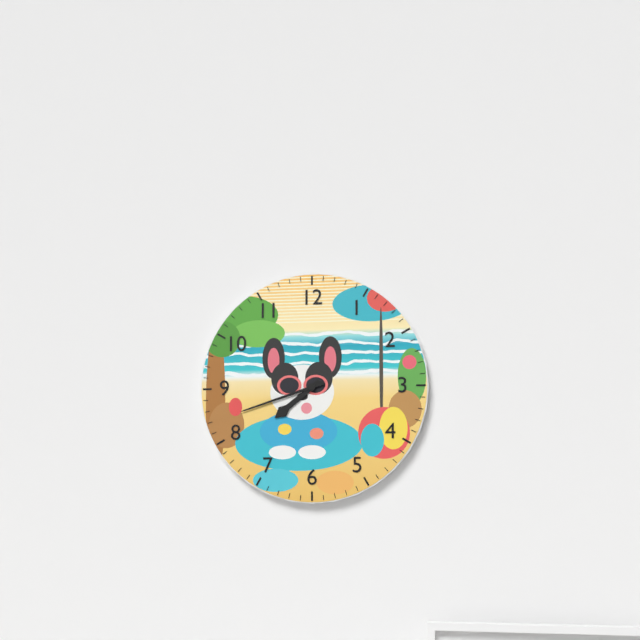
**7:42**
